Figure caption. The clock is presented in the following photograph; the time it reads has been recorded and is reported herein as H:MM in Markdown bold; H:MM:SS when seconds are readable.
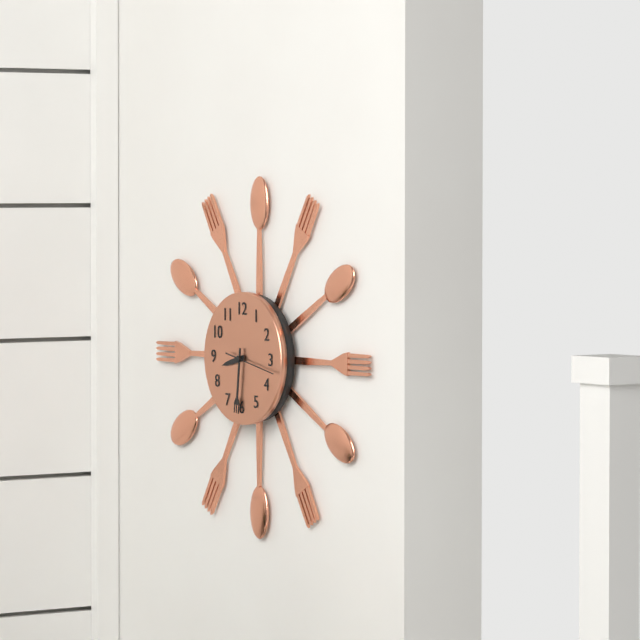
**8:31**
